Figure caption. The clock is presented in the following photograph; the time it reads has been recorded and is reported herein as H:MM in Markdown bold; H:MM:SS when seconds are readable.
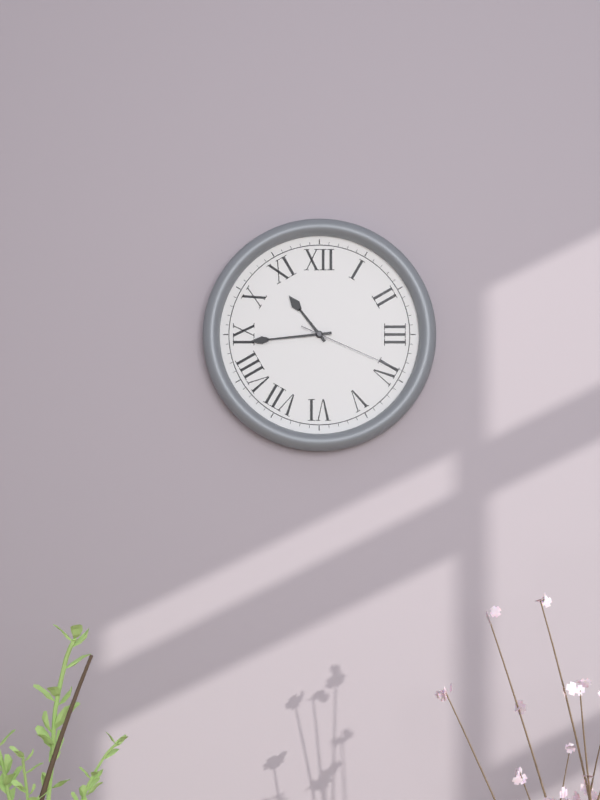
**10:44:19**
